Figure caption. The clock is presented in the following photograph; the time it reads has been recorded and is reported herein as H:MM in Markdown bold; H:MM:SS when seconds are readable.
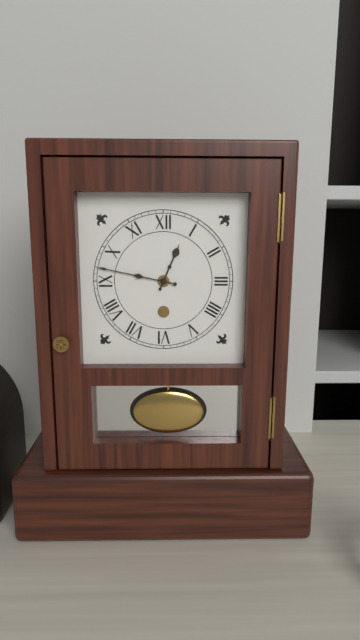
**12:47**
